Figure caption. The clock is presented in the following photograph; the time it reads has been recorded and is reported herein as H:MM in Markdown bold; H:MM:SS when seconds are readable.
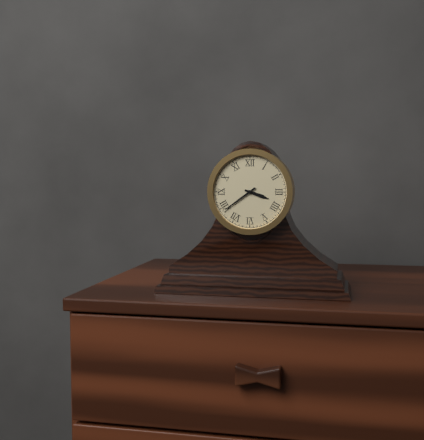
**3:39**
